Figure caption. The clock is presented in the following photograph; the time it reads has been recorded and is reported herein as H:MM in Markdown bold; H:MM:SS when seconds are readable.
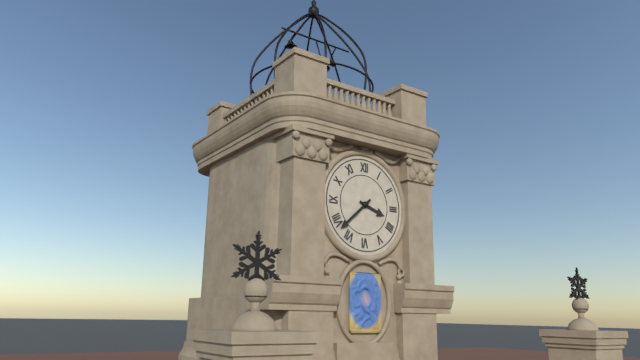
**3:38**
